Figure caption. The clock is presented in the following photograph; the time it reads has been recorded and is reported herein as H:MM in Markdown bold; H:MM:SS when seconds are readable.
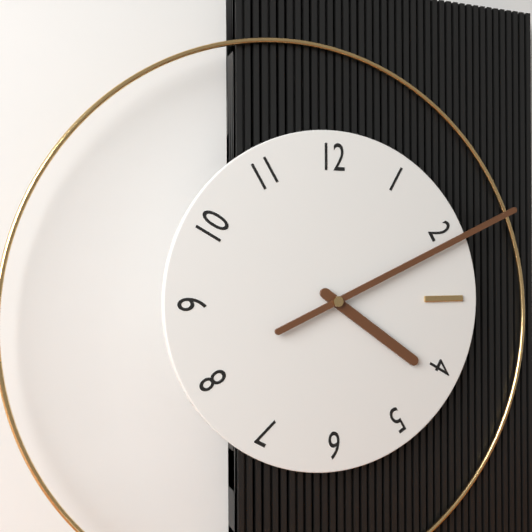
**4:11**
